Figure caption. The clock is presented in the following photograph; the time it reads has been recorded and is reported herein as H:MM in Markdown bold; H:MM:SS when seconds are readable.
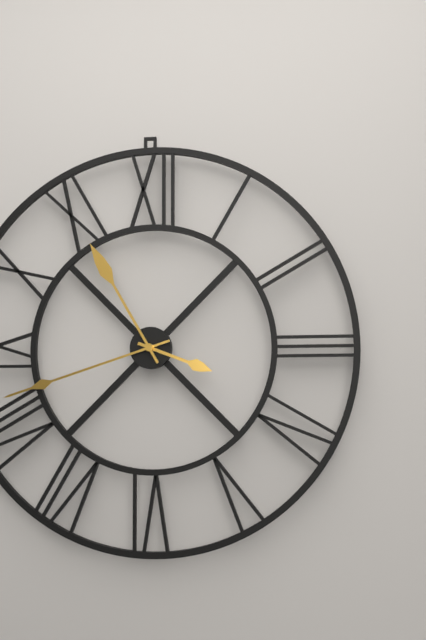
**3:42:55**
